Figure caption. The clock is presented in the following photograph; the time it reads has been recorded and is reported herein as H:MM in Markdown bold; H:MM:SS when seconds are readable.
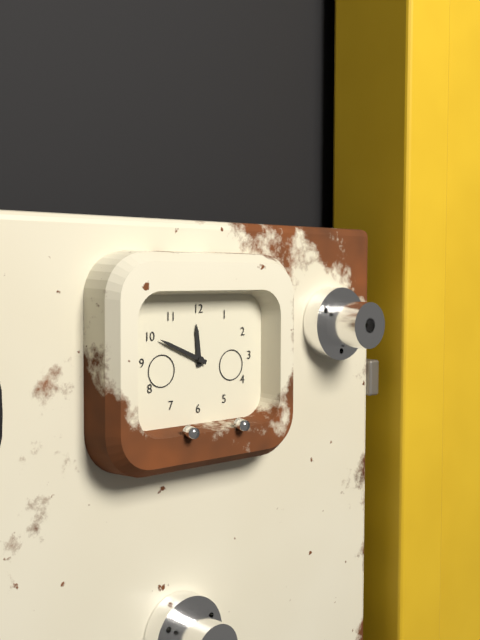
**11:49**
